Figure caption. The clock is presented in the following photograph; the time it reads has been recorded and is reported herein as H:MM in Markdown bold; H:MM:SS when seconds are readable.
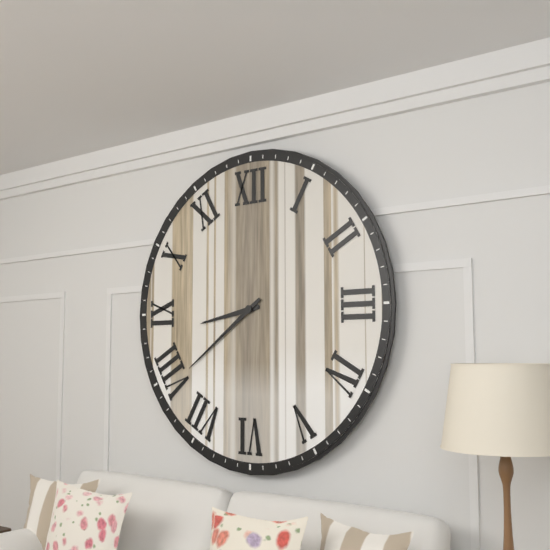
**8:39**
